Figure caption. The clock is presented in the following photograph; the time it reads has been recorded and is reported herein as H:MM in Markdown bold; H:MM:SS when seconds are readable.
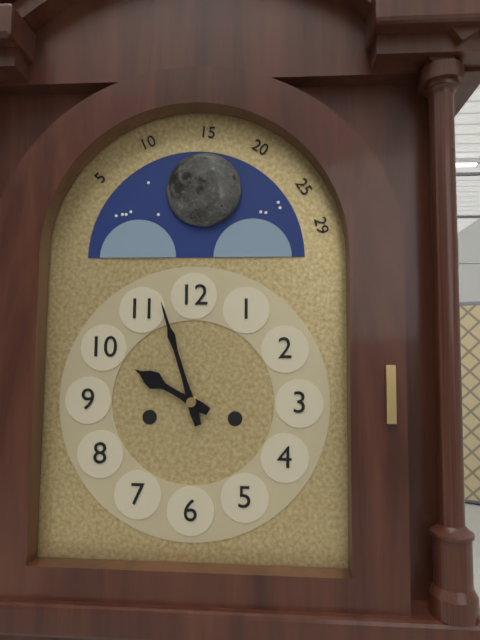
**9:57**
